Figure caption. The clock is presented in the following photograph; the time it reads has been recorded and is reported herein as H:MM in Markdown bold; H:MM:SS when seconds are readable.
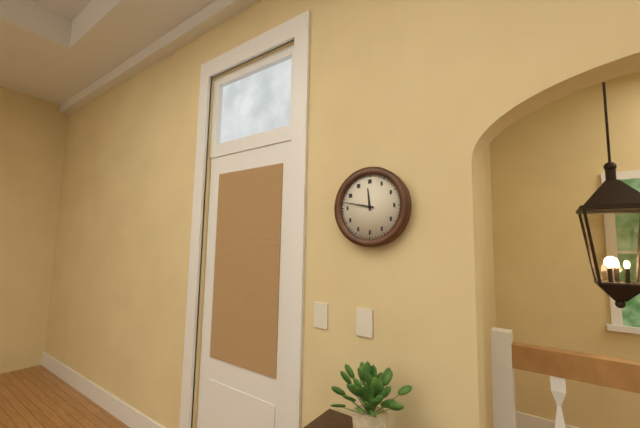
**11:47**
